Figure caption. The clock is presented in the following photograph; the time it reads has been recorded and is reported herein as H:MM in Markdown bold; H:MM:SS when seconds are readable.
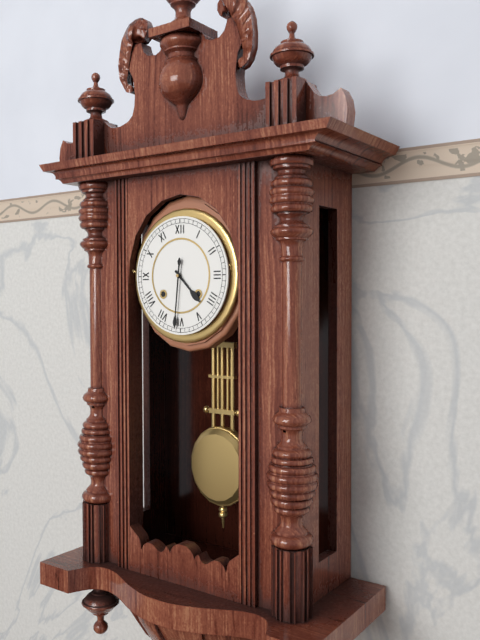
**4:31**
